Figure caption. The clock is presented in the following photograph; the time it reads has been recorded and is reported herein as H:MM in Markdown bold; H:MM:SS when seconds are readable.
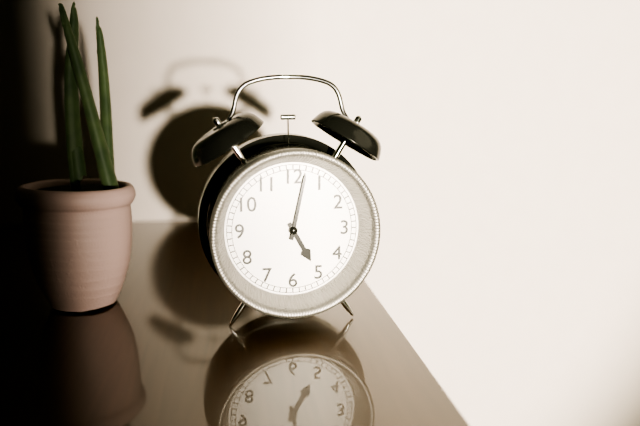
**5:02**
